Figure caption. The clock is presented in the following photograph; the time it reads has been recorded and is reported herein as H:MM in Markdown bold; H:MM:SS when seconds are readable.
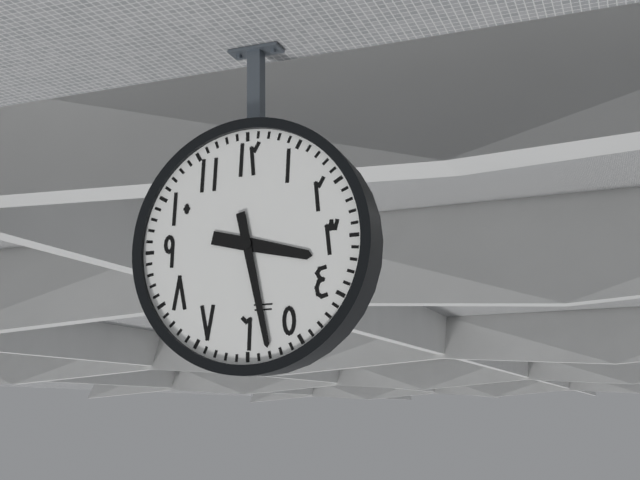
**3:28**
